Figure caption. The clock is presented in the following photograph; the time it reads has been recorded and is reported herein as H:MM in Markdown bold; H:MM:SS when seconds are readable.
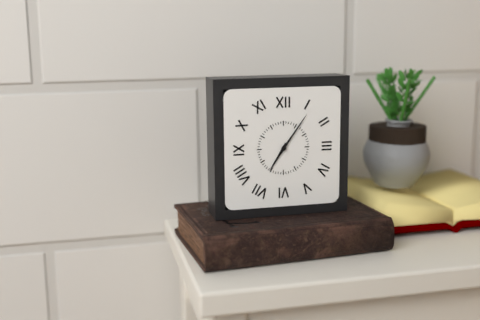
**7:06**
